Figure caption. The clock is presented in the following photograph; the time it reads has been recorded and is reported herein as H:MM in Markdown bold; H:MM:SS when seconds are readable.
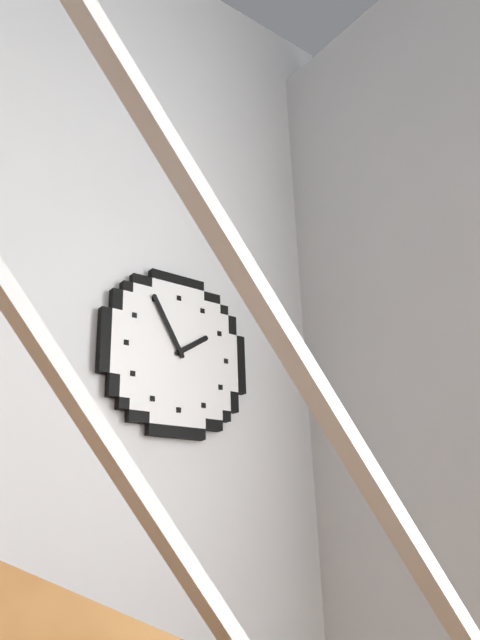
**1:55**
